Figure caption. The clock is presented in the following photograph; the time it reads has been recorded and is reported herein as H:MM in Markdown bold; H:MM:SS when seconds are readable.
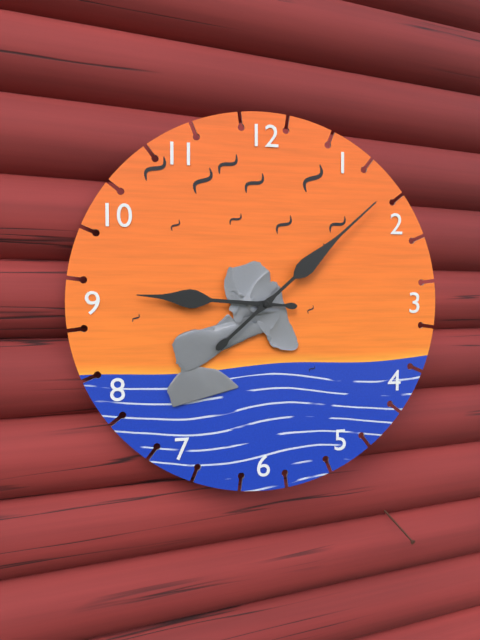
**9:08**
